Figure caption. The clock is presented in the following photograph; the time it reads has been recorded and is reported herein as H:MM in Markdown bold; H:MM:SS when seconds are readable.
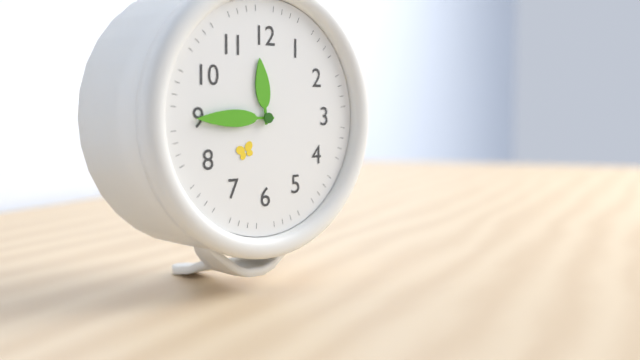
**11:45**
